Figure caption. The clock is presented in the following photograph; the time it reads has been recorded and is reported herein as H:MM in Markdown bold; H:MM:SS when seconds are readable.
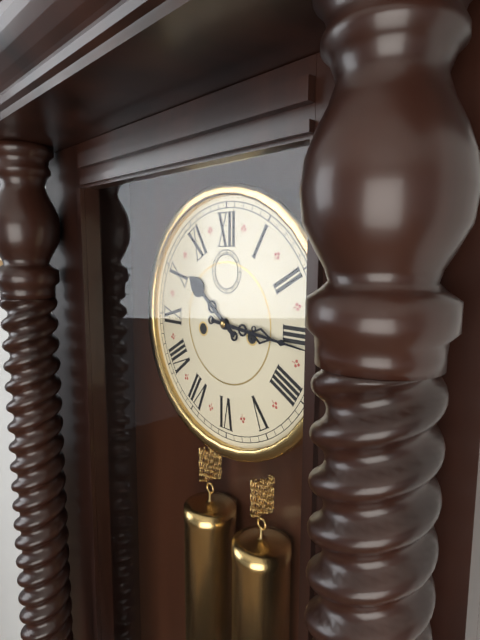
**10:16**
